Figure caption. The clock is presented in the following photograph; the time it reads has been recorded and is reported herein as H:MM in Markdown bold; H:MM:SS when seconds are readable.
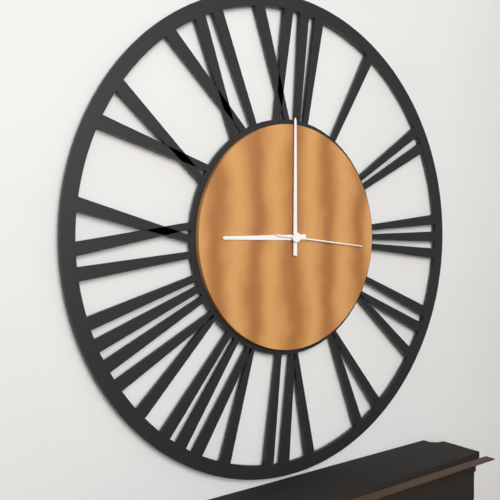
**9:00:16**
